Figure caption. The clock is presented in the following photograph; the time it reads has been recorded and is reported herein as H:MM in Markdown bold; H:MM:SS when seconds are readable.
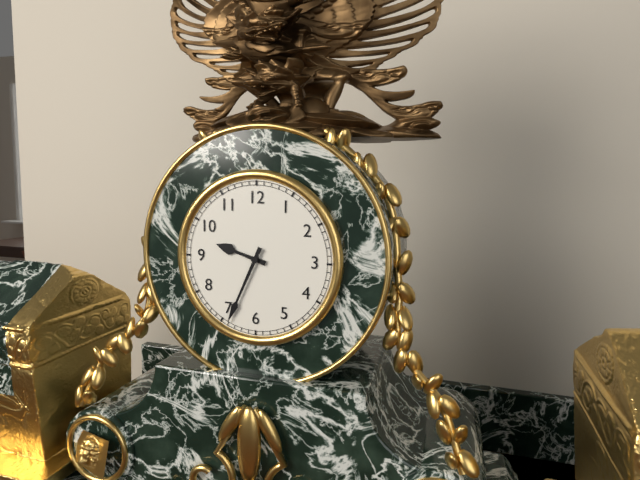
**9:34**
